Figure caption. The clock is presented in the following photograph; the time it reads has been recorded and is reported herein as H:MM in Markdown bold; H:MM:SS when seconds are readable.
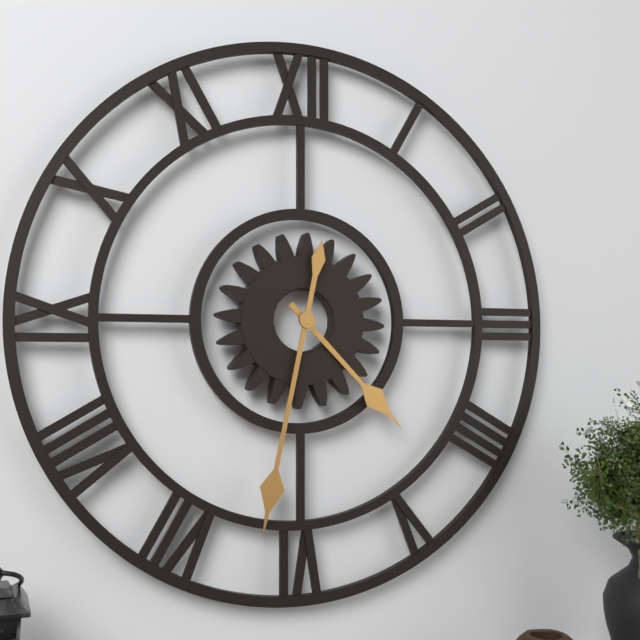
**4:32**
